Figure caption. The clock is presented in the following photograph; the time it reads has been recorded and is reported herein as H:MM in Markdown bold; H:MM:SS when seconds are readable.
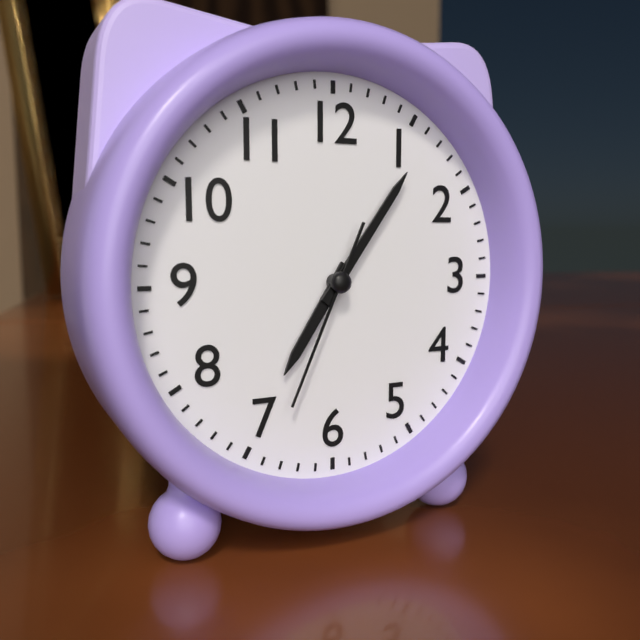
**7:06:34**
